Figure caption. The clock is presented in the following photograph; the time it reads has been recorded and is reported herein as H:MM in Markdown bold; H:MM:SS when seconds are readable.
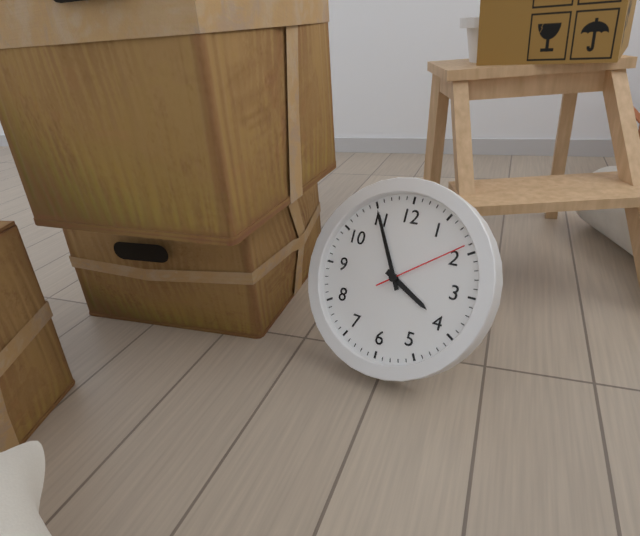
**3:55:09**
